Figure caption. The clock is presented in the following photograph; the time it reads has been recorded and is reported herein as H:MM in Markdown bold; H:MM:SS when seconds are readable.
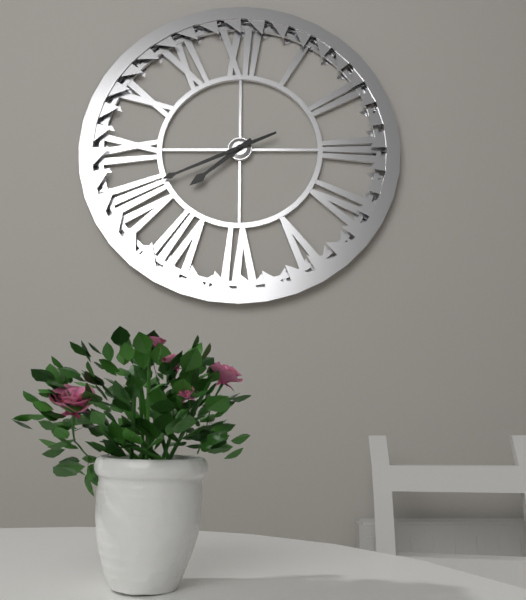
**7:41**
